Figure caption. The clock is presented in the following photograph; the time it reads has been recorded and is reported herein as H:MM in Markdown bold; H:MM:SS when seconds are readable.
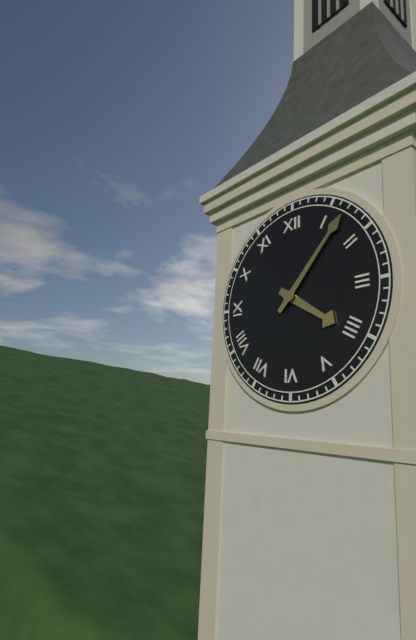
**4:07**
